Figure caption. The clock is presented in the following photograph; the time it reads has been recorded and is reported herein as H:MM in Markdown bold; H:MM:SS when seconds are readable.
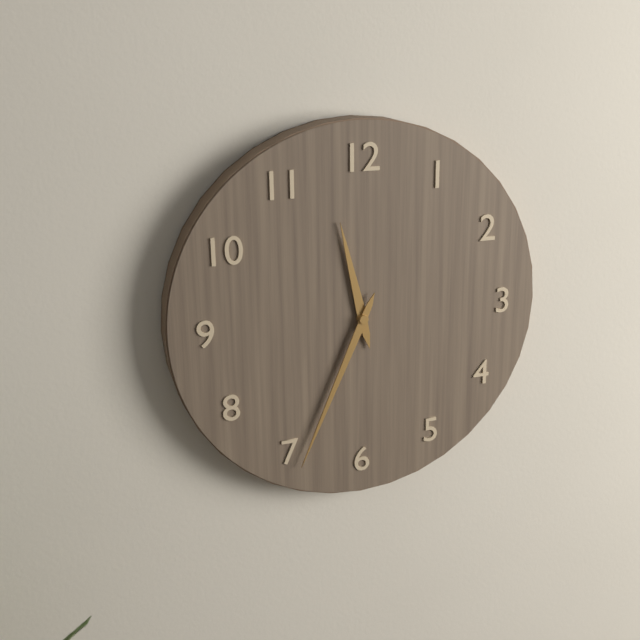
**11:34**
